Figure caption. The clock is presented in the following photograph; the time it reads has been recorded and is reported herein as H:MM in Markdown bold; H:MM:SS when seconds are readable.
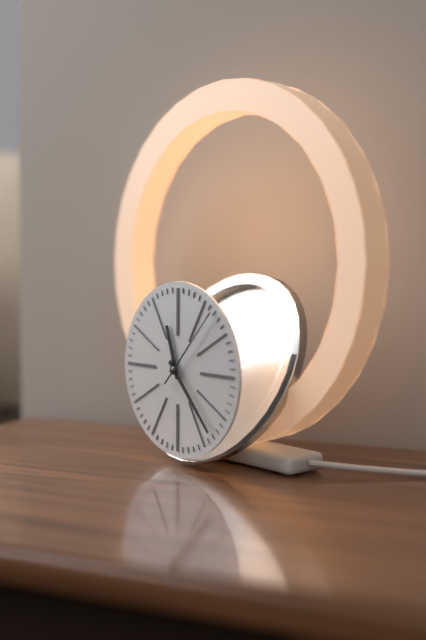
**11:23:07**
